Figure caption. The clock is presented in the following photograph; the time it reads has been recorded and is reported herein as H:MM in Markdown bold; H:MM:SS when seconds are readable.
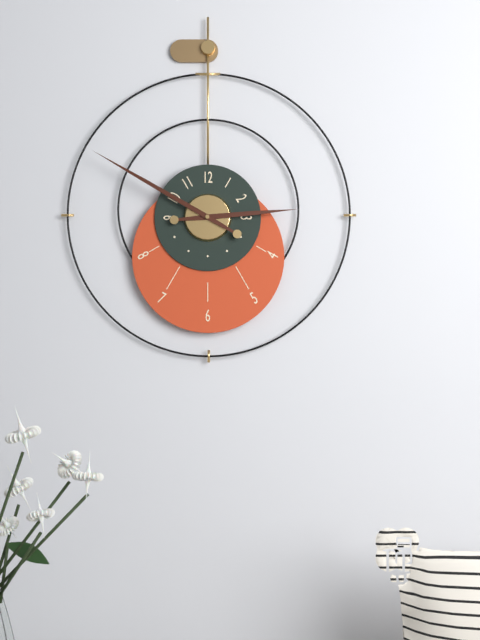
**2:50**
